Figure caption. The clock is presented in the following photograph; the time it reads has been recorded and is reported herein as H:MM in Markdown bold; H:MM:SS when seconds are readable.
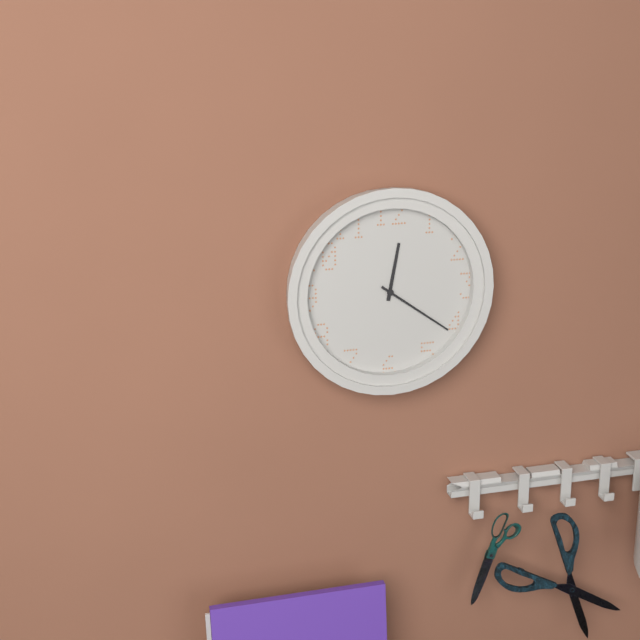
**12:21**
